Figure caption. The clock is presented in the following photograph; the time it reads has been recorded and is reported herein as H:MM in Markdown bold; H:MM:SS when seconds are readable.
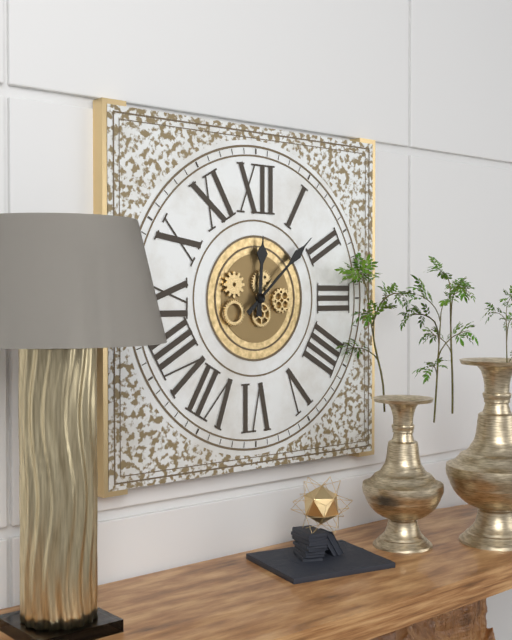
**12:08**
